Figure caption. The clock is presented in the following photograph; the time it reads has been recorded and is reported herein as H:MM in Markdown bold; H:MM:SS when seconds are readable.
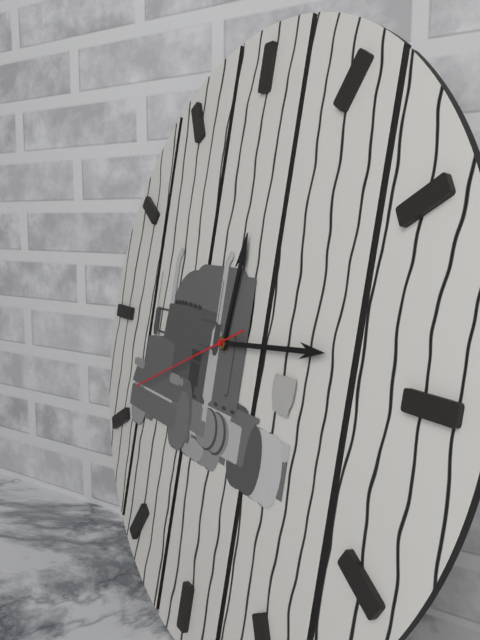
**12:14:41**
